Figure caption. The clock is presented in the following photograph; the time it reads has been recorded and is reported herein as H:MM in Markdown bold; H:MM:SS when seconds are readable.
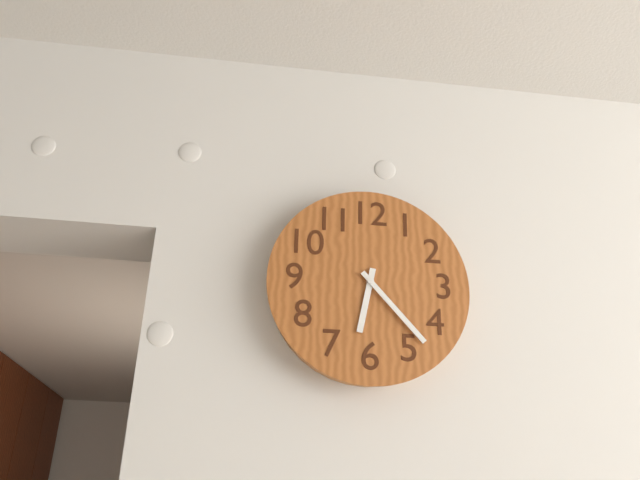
**6:23**
